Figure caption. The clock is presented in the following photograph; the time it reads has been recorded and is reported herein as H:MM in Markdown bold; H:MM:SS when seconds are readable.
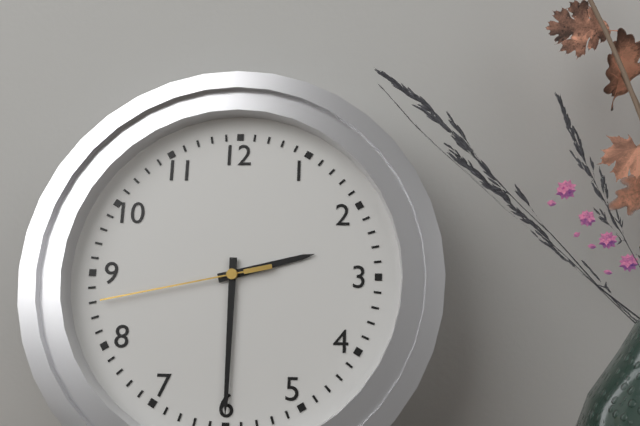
**2:30:43**
